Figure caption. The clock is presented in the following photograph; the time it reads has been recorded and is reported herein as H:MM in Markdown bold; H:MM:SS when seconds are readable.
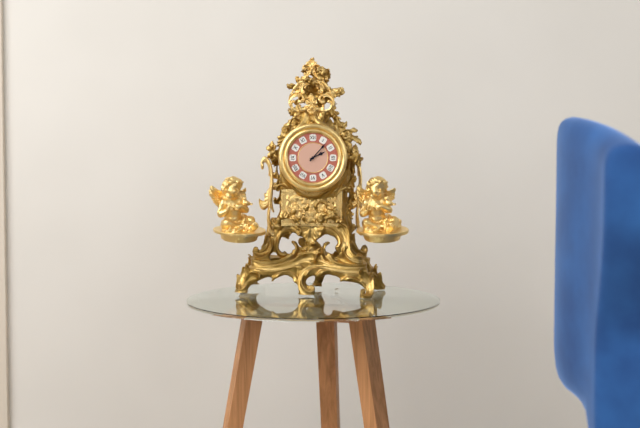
**2:07**
